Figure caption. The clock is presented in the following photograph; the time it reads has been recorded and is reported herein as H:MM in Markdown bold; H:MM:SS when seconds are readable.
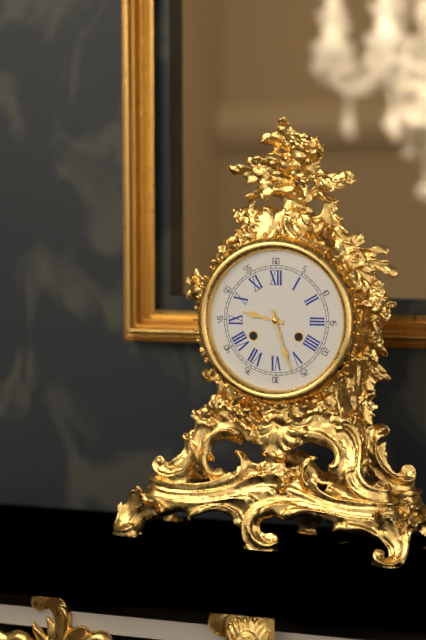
**9:27**
